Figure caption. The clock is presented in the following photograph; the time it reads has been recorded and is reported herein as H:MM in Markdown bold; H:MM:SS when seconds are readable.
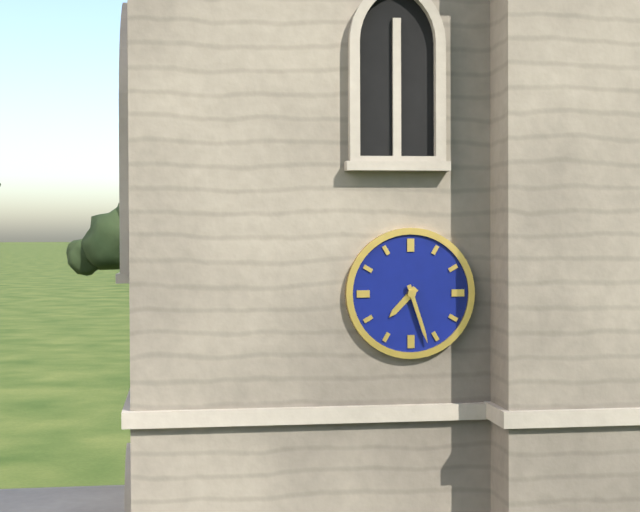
**7:27**
